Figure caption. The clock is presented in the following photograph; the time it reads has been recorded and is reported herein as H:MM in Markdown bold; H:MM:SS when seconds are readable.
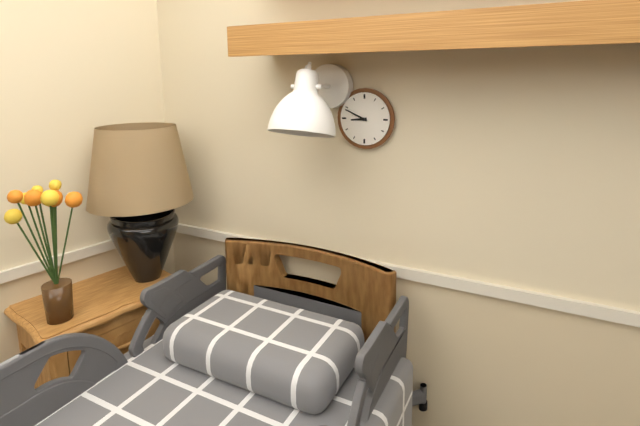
**8:49**
